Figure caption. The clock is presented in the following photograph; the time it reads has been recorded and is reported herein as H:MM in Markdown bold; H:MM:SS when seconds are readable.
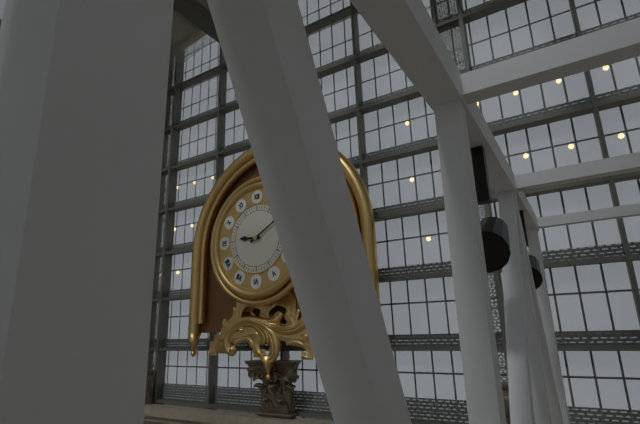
**9:10**
